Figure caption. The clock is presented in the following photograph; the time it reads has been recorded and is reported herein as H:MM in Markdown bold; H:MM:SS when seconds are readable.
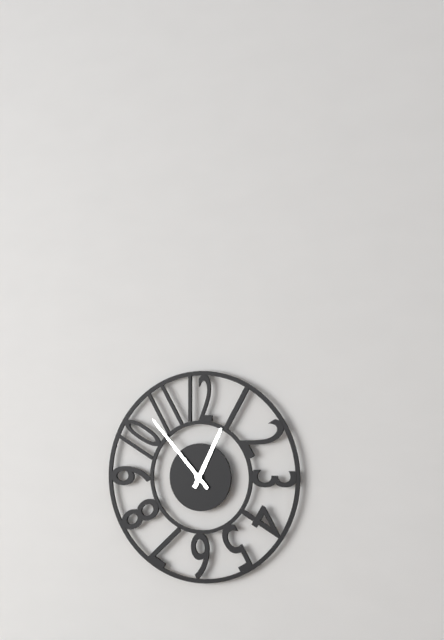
**12:53**
